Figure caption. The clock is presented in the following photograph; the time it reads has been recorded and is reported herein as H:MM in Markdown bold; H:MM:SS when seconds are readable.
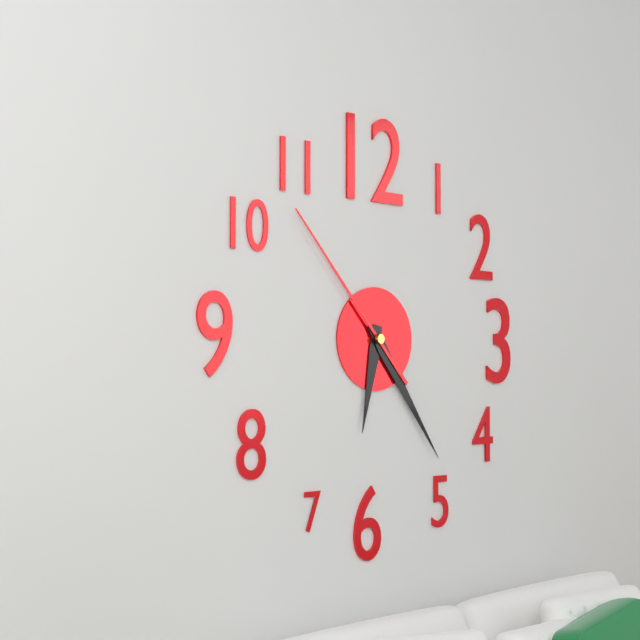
**6:24:53**
